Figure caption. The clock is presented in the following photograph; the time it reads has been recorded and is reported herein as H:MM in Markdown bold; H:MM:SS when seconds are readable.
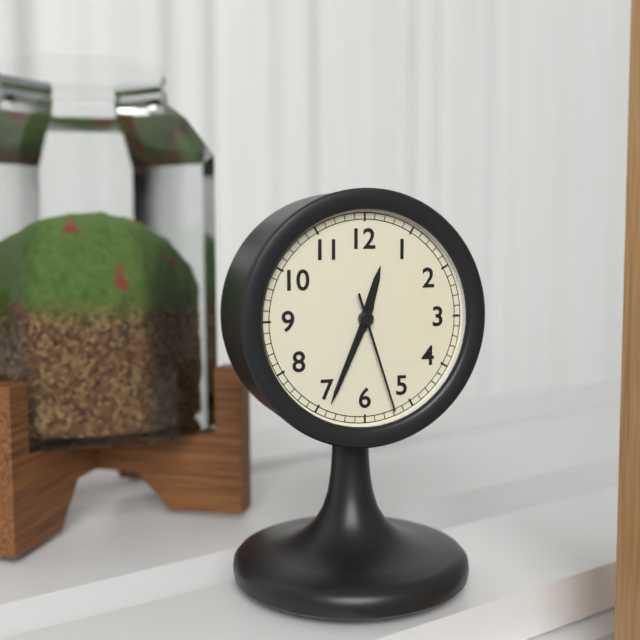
**12:34:27**
